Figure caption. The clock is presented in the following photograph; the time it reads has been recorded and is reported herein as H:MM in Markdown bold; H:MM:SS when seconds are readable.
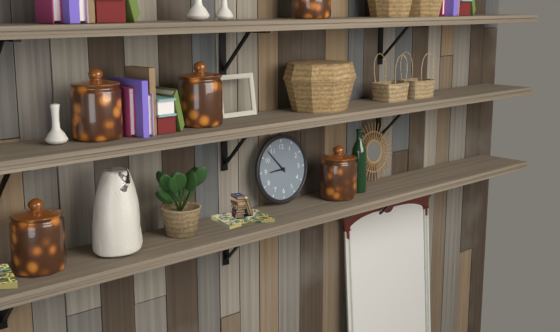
**8:53**
